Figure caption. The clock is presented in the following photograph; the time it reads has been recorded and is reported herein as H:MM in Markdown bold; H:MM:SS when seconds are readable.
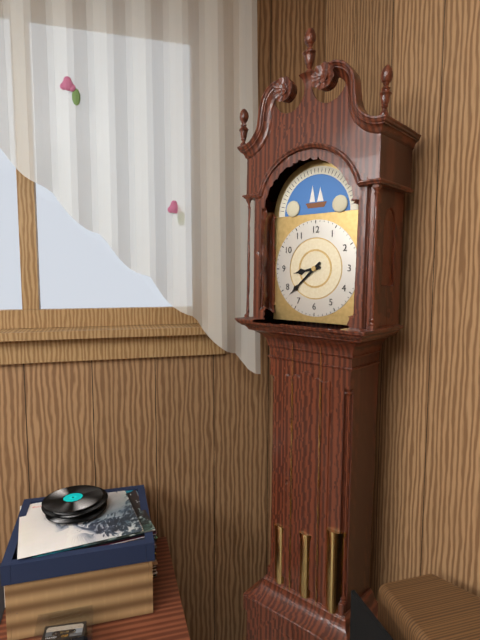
**8:38**
